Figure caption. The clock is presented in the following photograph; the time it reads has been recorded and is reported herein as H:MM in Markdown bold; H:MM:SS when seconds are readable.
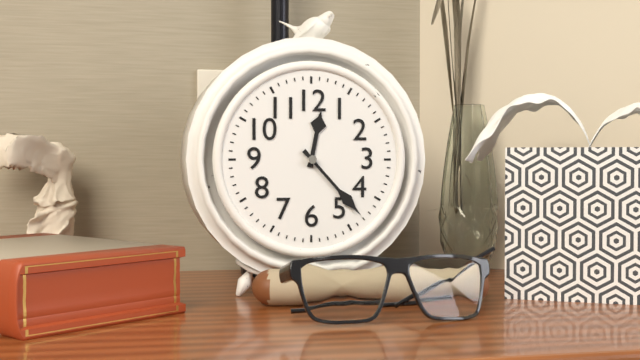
**12:23**
